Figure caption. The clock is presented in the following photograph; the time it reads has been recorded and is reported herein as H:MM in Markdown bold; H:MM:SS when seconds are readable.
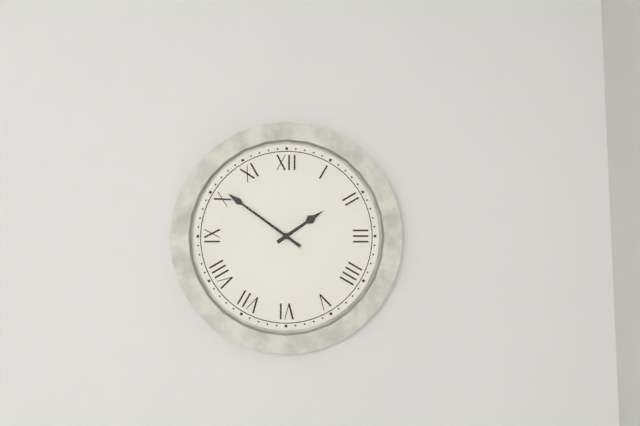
**1:51**
